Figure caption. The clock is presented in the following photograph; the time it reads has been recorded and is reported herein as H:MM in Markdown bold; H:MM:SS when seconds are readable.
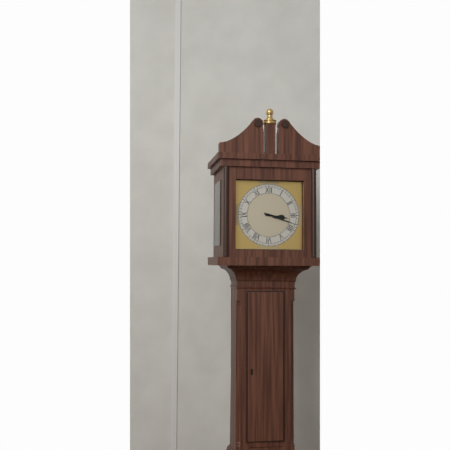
**3:18**
